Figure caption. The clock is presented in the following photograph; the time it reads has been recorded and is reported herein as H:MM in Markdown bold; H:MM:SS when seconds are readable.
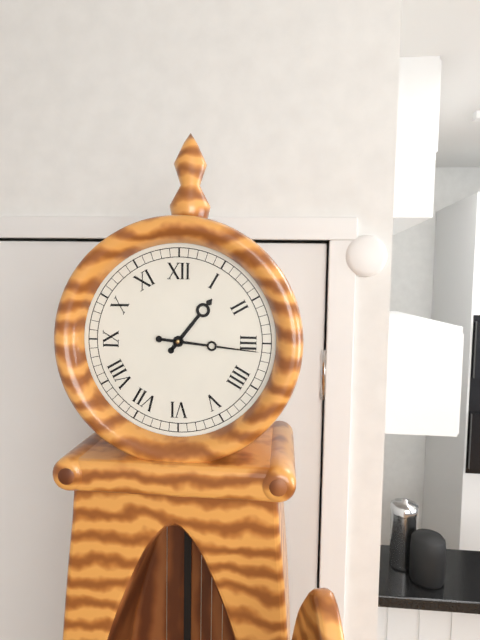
**1:16**
